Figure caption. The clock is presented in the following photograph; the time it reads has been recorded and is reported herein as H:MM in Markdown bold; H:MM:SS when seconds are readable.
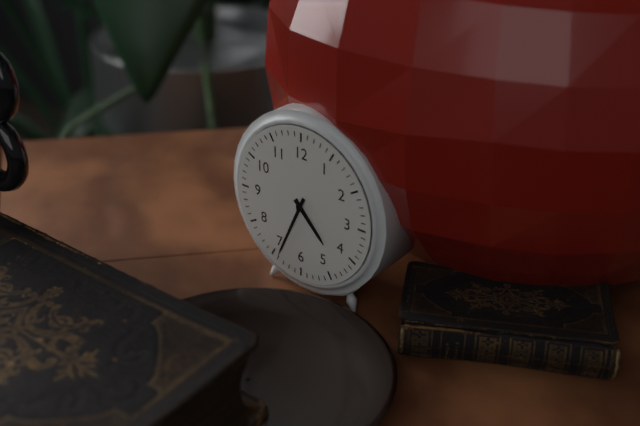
**4:34**
